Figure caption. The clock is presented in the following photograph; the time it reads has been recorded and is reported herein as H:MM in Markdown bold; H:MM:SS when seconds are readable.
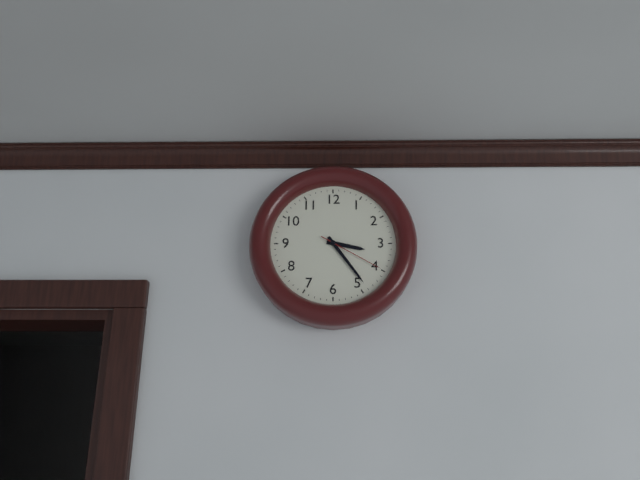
**3:24:20**
